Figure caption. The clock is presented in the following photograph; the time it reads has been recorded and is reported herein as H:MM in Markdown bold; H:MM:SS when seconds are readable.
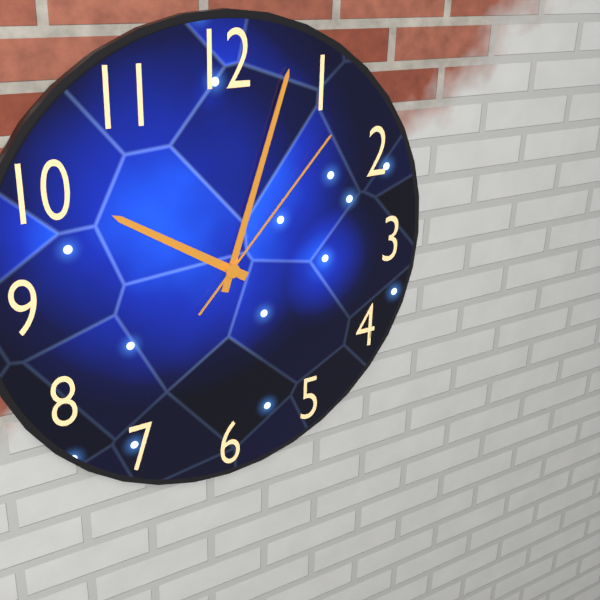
**10:03:07**
